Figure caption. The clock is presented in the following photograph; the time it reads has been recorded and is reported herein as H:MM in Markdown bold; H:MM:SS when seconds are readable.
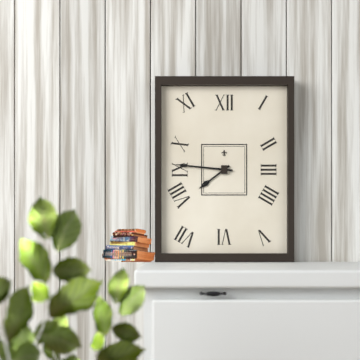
**7:46**
